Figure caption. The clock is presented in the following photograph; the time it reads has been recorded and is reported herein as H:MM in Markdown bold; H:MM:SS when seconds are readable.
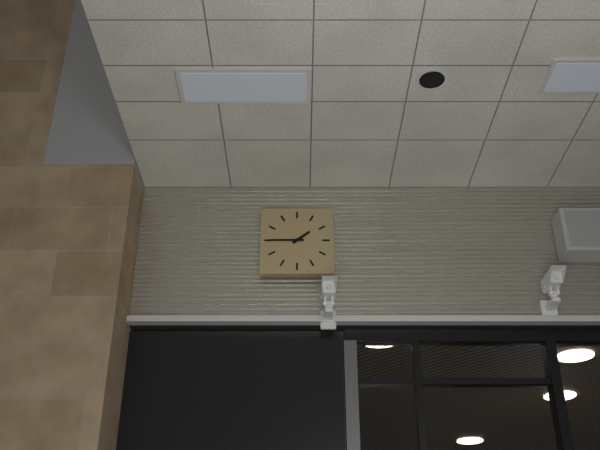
**1:45**
